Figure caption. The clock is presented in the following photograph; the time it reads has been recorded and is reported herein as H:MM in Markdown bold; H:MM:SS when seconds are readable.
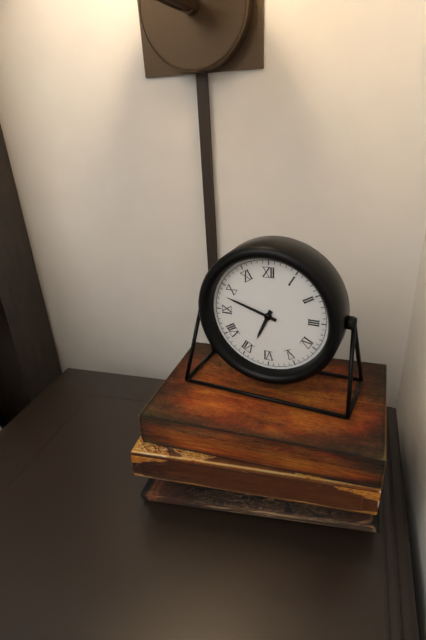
**6:48**
